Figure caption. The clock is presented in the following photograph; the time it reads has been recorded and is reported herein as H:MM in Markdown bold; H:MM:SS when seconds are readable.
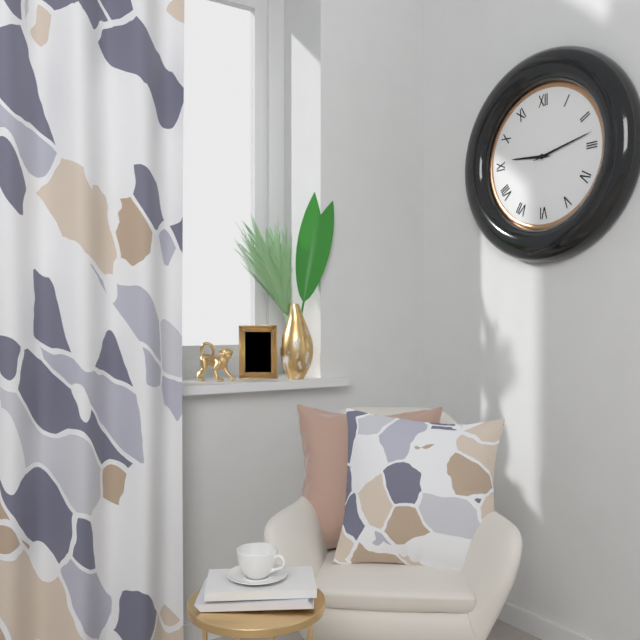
**9:13**
